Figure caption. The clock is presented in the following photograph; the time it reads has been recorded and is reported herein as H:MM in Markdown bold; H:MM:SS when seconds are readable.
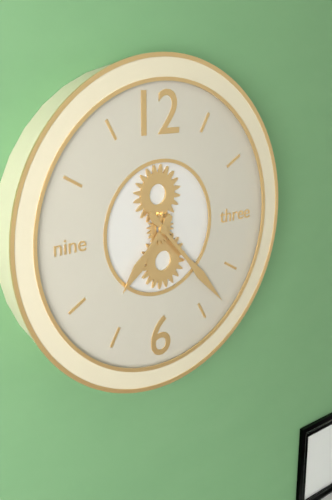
**7:23**
